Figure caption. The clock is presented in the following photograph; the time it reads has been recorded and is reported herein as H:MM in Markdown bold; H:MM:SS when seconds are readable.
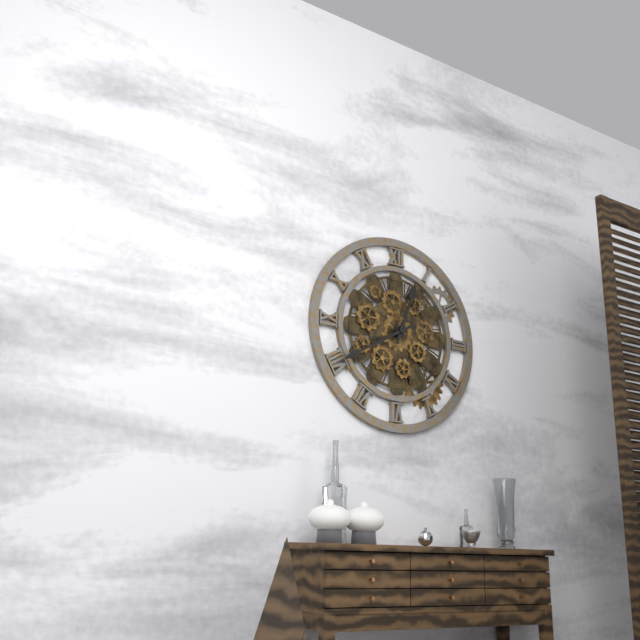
**12:40**
